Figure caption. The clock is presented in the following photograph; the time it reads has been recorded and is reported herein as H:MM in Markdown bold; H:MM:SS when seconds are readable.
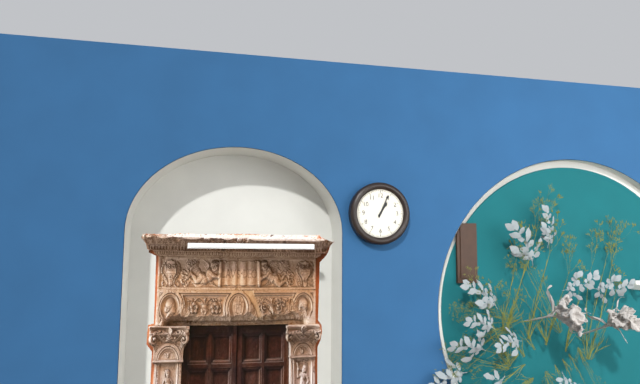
**1:04**
